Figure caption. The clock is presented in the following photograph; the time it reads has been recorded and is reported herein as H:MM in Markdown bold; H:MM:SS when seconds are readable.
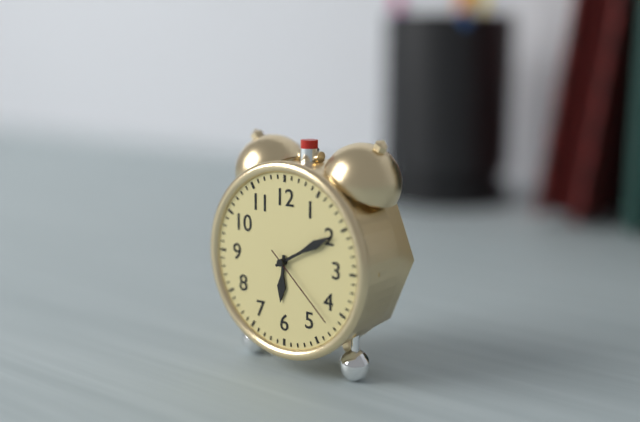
**6:10:22**
